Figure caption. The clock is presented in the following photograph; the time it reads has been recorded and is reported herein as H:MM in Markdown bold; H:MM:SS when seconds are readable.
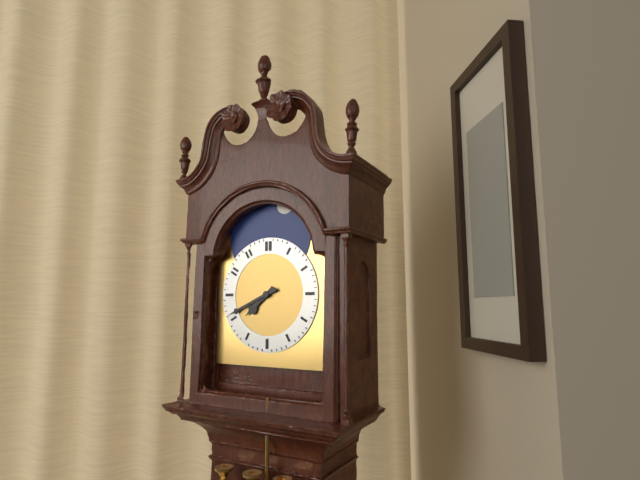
**7:41**
